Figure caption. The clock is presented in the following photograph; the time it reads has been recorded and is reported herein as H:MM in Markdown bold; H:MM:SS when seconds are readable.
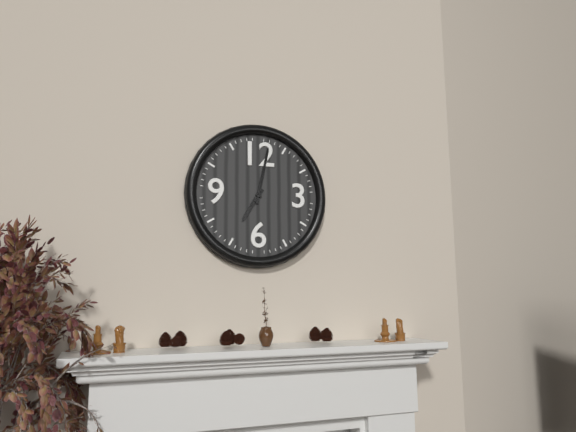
**7:02**
